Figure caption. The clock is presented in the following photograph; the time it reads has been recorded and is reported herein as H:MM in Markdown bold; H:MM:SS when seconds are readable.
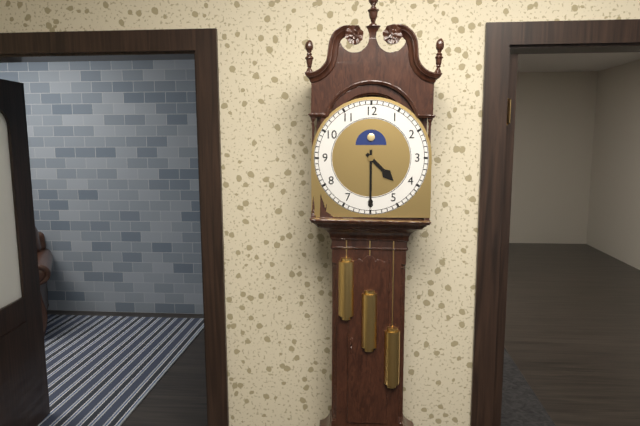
**4:30**
